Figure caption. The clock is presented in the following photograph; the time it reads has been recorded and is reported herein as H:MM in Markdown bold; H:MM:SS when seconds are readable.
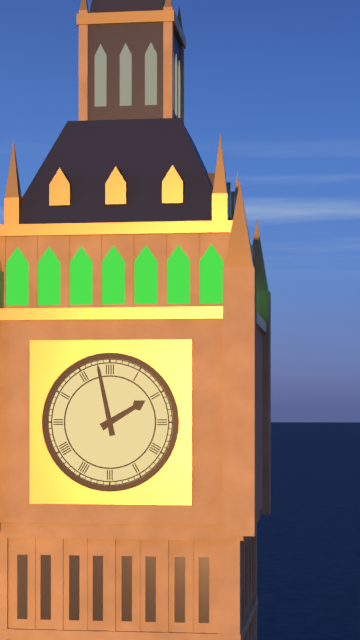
**1:58**
